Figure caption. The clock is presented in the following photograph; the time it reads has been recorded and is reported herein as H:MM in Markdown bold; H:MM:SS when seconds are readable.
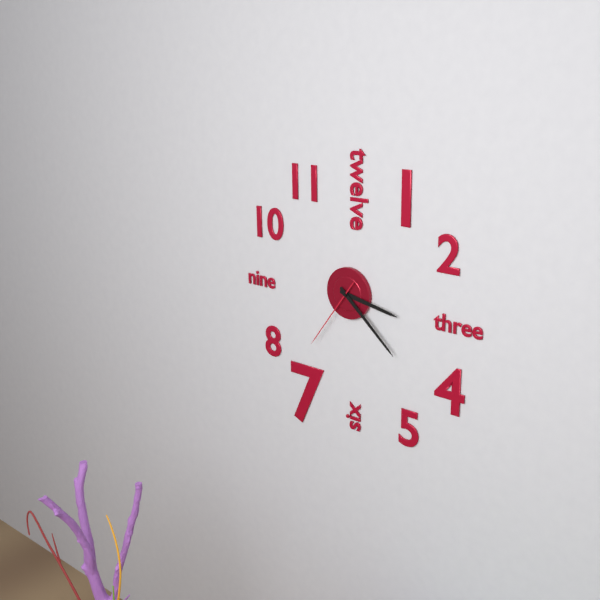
**3:22:36**
